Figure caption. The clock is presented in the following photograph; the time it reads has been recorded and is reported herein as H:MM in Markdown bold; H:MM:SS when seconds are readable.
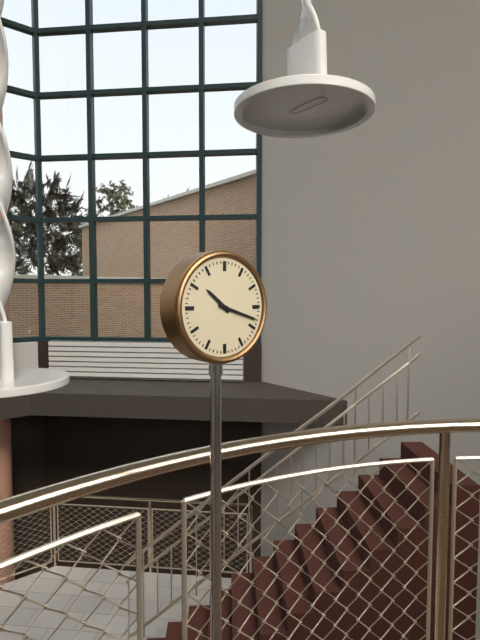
**10:18**
